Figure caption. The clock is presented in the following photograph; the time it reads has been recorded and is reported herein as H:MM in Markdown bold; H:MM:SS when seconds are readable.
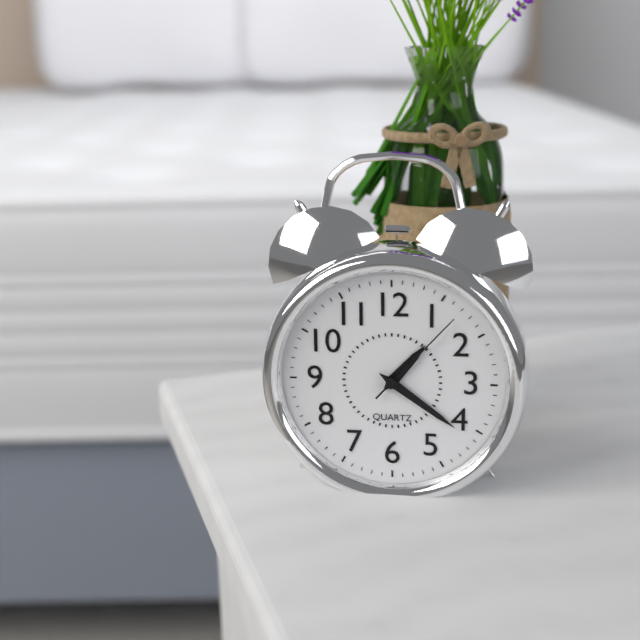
**1:21:07**
